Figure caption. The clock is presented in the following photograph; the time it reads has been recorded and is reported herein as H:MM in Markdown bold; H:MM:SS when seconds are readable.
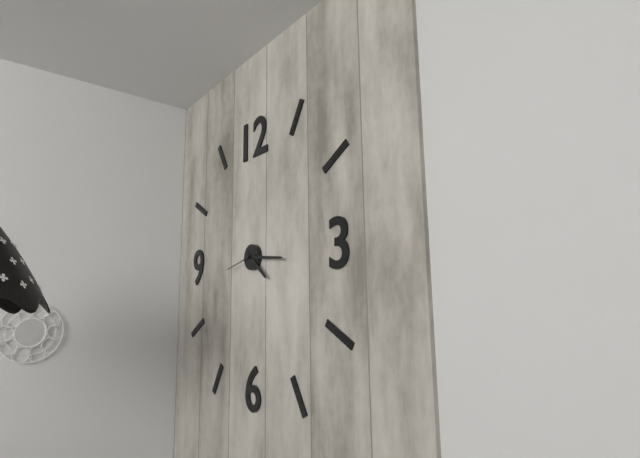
**4:16**
